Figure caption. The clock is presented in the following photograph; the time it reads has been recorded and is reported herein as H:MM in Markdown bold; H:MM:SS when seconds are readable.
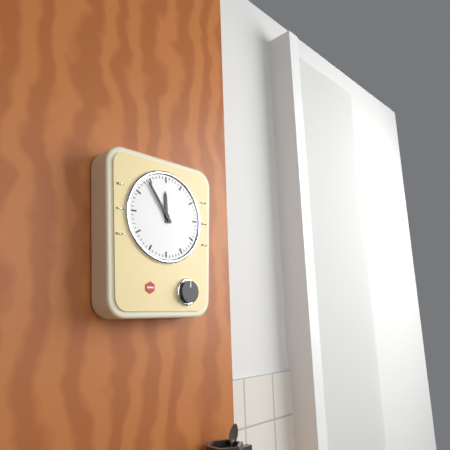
**11:54**
